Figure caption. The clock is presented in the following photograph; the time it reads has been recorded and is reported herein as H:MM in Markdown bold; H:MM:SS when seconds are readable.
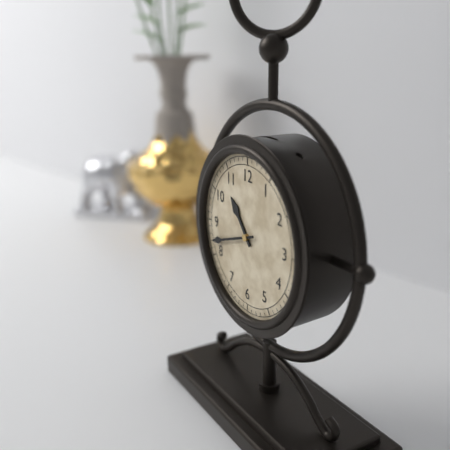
**10:42**
